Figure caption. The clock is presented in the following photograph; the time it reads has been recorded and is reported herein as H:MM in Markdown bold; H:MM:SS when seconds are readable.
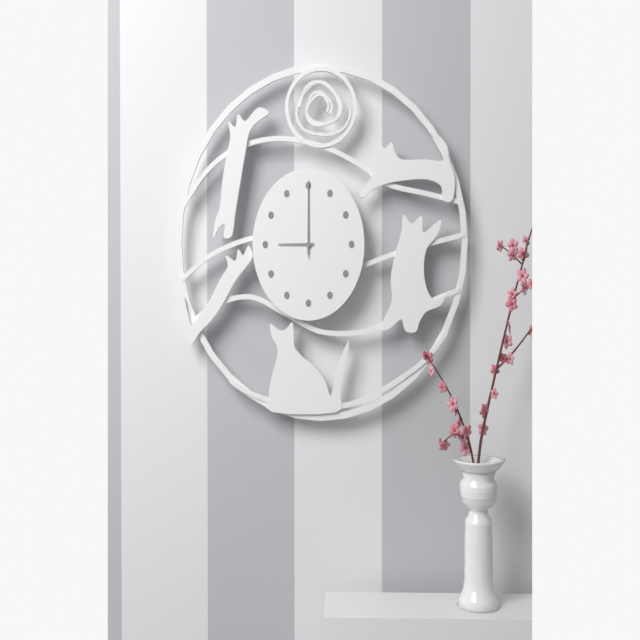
**9:00:00**
